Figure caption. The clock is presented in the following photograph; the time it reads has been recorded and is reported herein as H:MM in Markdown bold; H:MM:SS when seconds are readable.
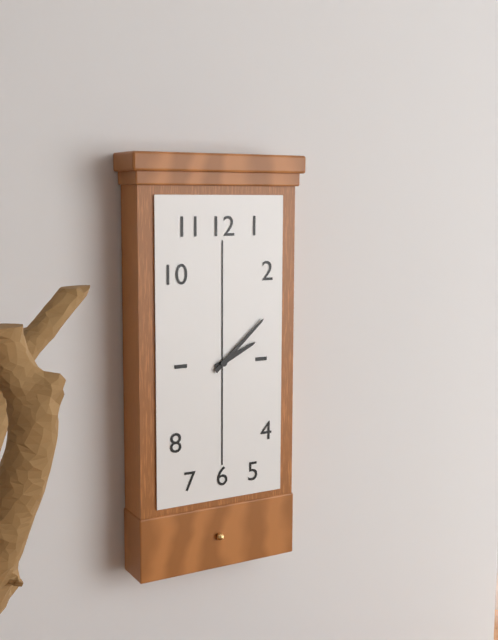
**2:08**
